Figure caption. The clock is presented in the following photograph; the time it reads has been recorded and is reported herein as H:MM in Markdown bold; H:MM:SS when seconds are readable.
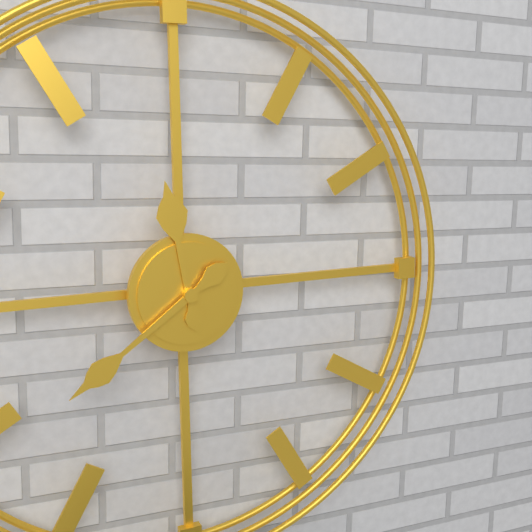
**11:39**
